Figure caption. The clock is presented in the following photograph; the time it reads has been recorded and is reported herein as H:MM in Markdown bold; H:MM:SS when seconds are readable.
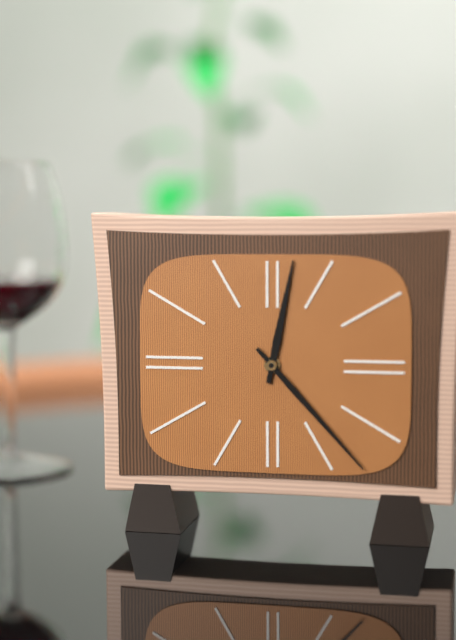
**12:23**
